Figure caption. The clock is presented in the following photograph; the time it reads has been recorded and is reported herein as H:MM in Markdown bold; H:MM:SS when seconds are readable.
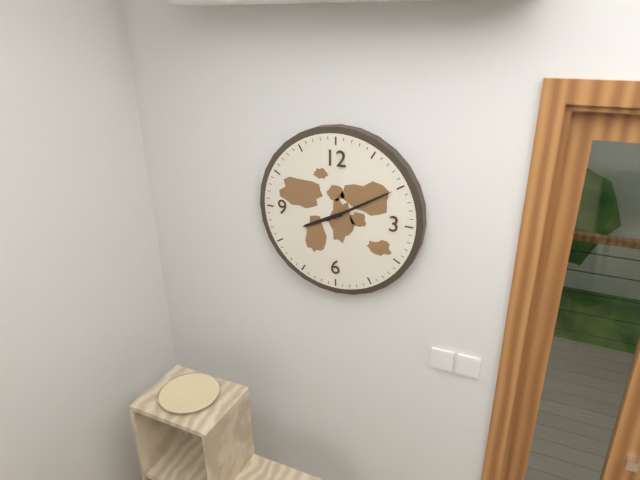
**8:10**
